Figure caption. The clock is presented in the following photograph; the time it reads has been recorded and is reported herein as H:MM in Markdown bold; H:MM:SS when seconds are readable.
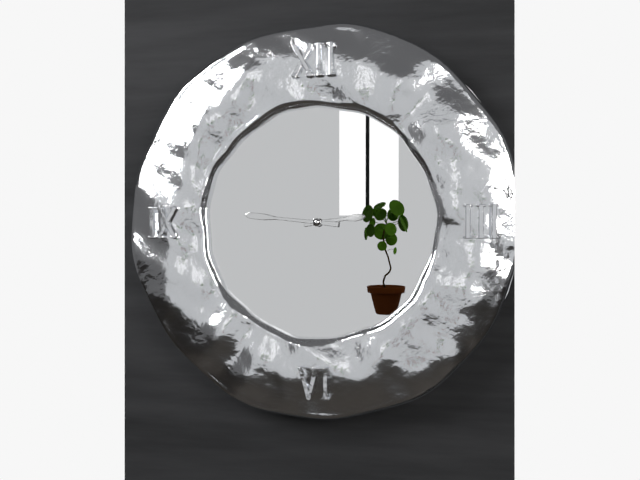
**2:46**
